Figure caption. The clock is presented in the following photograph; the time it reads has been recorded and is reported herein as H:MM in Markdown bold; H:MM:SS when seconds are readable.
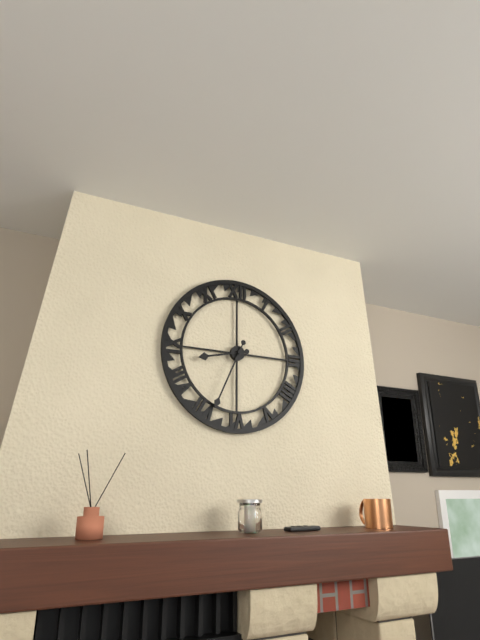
**8:34**
